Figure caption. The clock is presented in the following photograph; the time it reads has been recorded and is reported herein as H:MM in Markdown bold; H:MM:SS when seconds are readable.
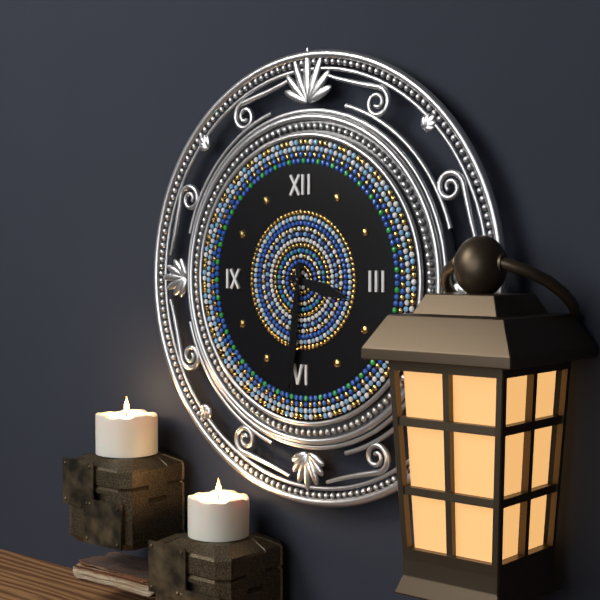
**3:31**
